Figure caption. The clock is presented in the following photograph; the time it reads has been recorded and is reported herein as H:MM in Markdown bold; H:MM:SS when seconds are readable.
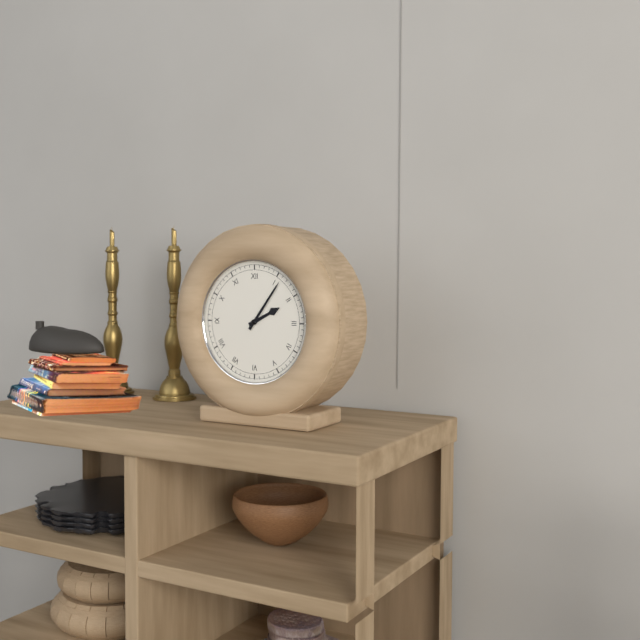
**2:06**
